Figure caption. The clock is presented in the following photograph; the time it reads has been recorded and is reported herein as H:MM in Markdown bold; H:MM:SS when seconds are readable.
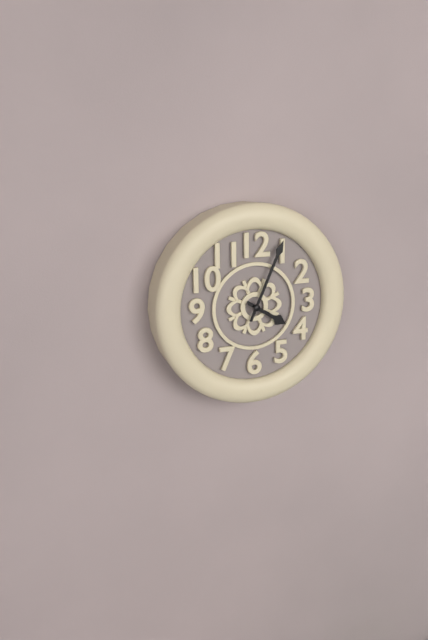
**4:04**
